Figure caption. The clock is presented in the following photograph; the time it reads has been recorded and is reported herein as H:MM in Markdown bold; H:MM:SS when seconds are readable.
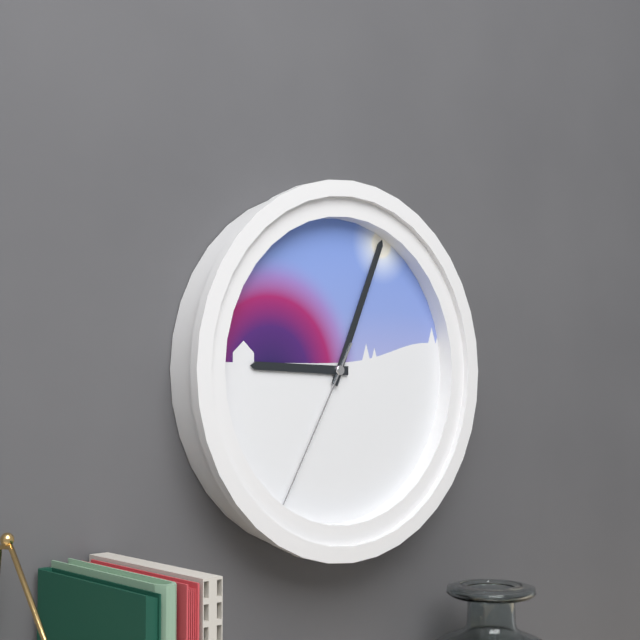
**9:04:35**
